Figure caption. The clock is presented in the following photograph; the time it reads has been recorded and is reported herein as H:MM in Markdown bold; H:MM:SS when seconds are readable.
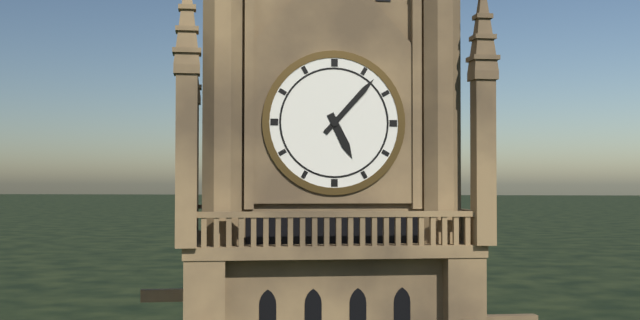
**5:07**
